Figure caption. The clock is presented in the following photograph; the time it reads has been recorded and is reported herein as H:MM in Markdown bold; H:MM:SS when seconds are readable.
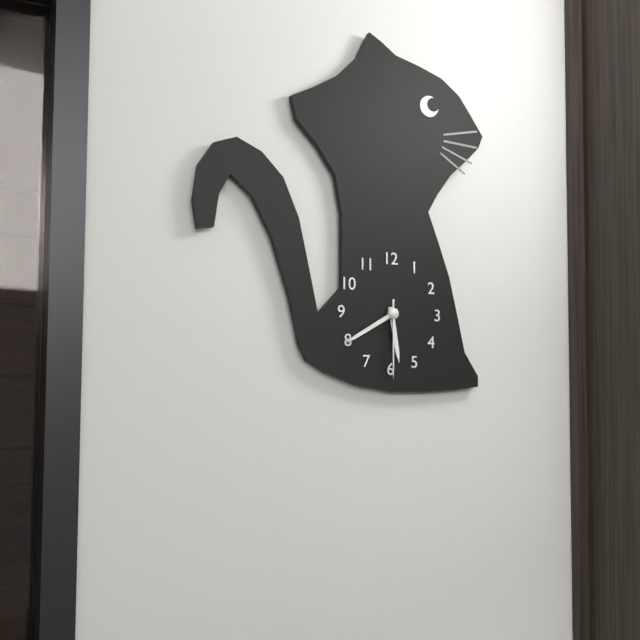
**5:40:30**
